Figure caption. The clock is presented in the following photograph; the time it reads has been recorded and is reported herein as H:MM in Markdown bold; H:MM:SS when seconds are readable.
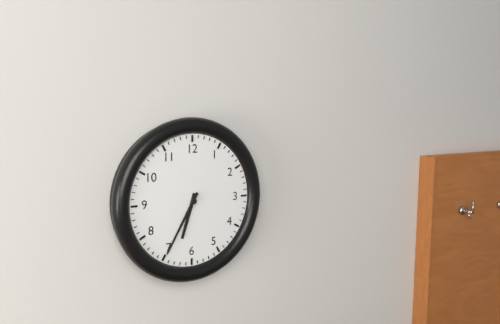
**6:35**
